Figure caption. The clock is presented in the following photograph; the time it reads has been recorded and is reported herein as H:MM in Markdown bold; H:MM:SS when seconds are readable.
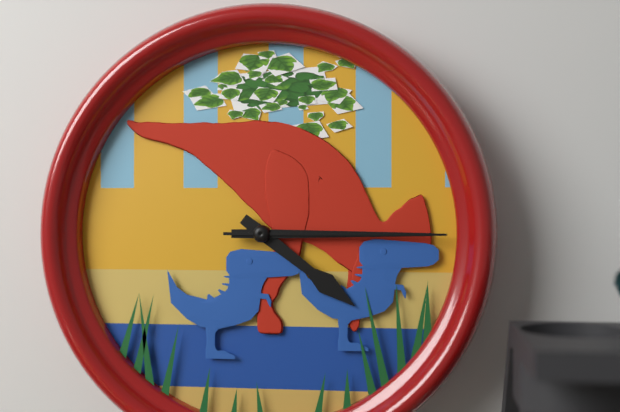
**4:15:15**
